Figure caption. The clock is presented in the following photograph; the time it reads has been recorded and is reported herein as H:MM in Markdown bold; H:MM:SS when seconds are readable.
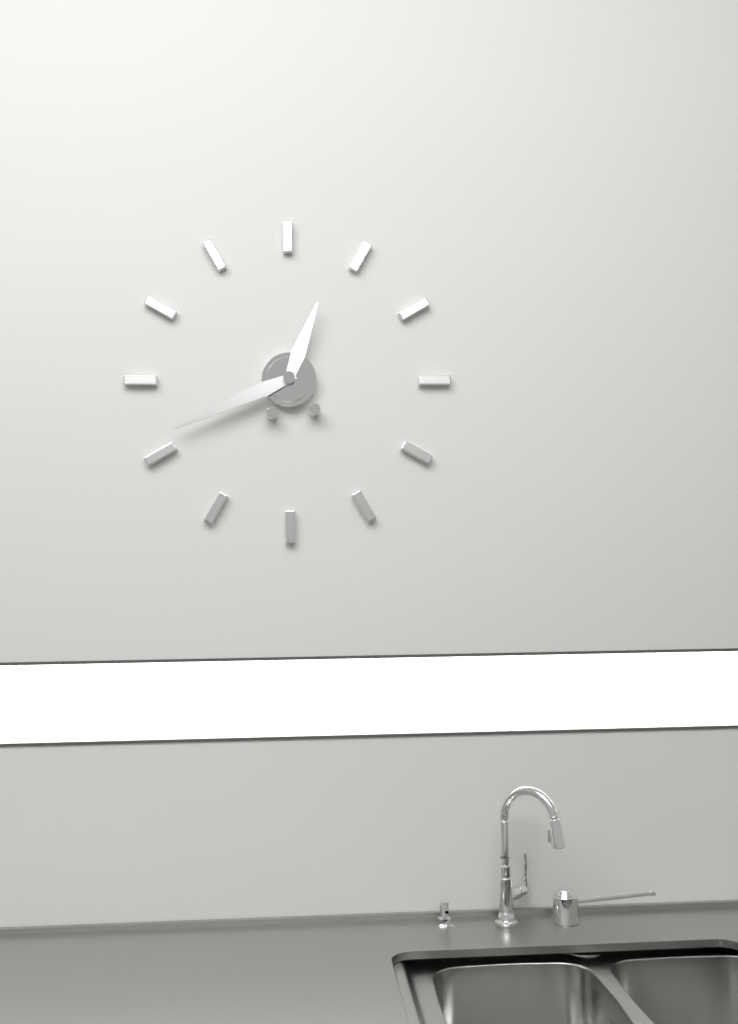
**12:41**
